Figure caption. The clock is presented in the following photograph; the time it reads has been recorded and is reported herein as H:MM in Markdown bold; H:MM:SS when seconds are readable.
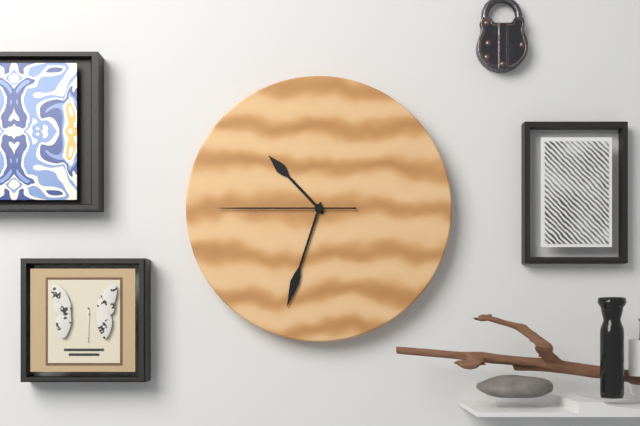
**10:33:45**
